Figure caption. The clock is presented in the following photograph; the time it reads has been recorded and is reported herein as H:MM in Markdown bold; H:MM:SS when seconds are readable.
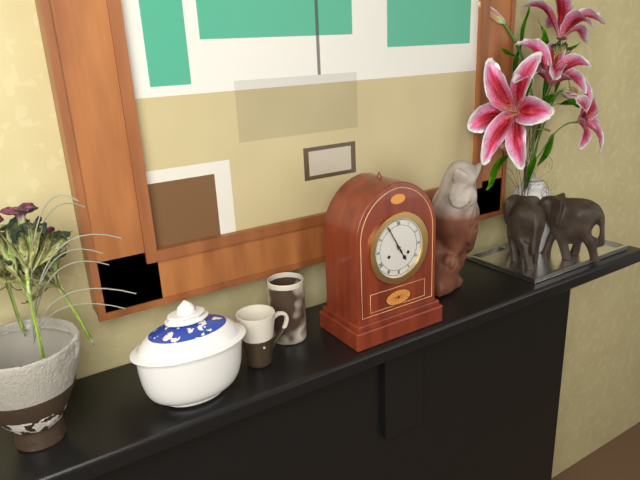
**4:55**
